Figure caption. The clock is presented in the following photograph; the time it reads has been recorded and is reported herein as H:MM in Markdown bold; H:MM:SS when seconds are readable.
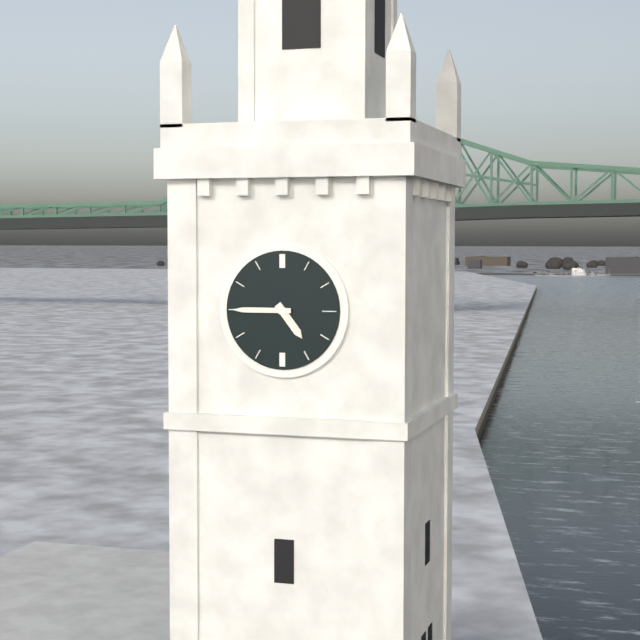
**4:45**
